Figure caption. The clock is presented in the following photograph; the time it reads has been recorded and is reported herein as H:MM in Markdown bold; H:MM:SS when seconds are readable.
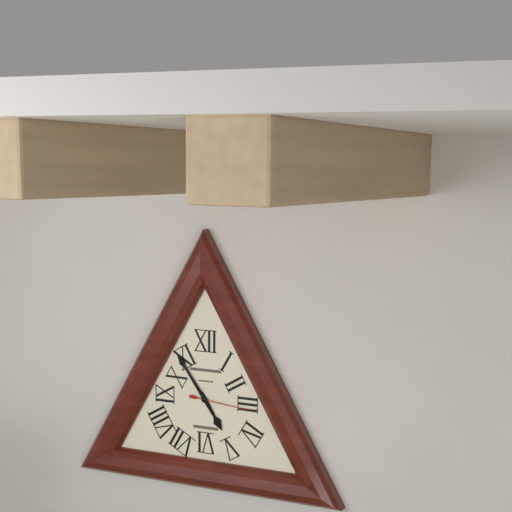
**4:54:16**
